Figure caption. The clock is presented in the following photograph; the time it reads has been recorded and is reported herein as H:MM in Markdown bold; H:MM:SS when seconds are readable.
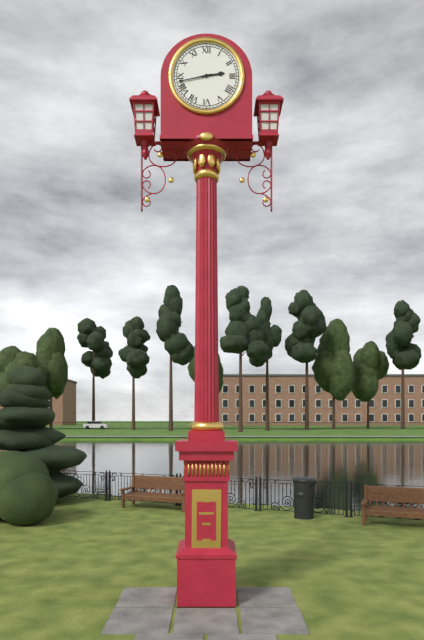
**2:43**
